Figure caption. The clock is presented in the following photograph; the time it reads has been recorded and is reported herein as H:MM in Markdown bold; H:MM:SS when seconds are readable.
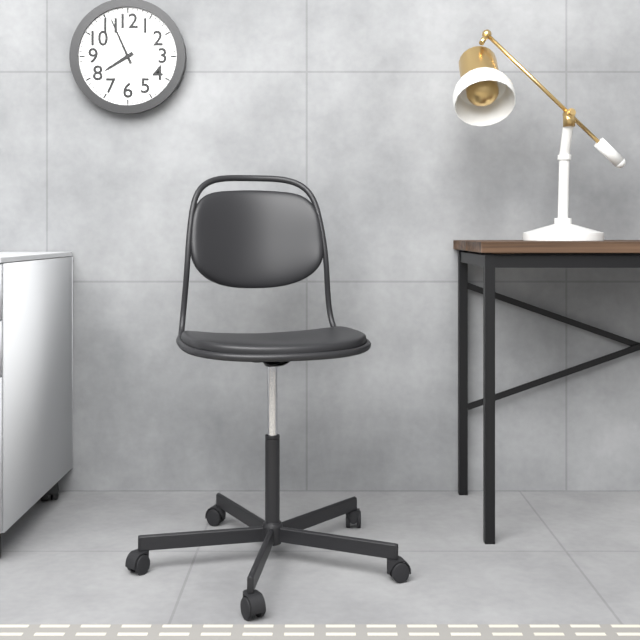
**7:56**
